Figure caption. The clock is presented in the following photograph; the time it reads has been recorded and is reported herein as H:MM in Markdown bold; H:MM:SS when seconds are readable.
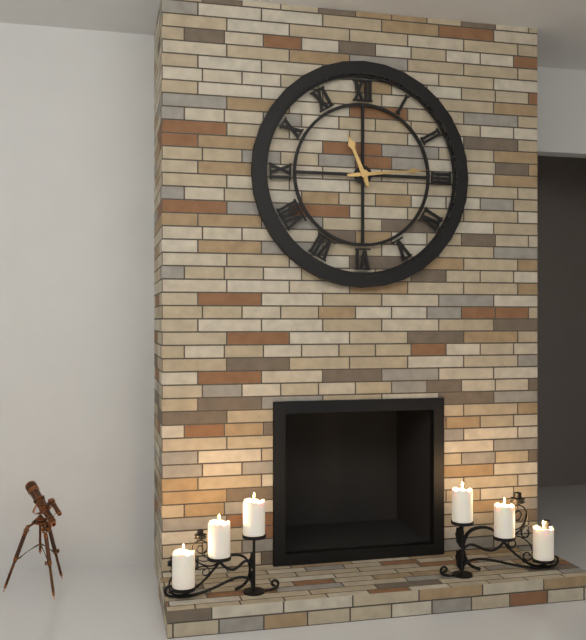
**11:14**
